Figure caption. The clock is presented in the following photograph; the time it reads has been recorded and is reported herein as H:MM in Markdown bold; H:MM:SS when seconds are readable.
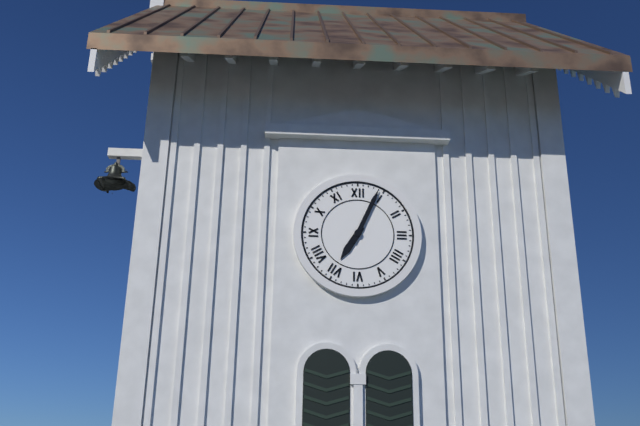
**7:04**
